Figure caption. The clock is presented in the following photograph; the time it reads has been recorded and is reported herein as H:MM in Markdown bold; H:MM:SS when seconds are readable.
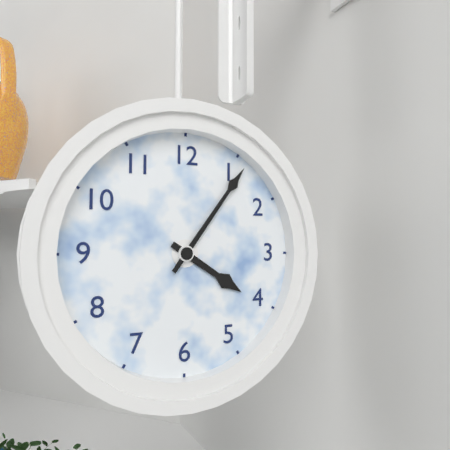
**4:06**
